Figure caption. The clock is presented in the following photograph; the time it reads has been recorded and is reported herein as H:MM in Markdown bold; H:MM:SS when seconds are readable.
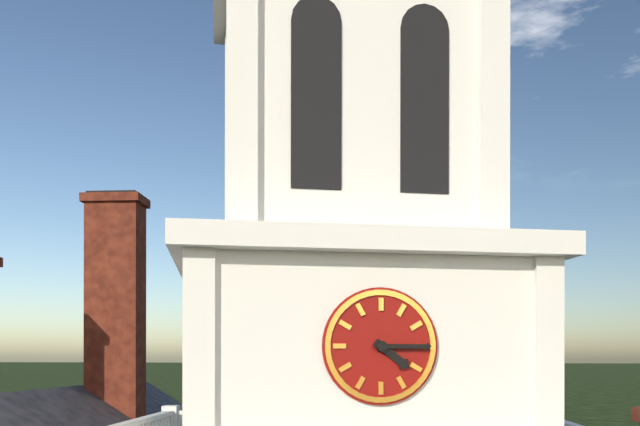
**4:15**
